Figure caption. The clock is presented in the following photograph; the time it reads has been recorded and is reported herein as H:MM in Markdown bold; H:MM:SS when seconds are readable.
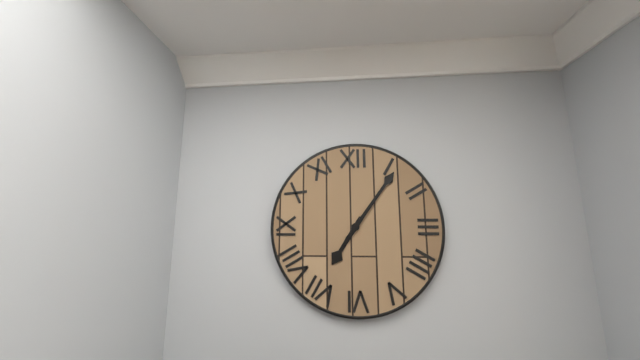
**7:06**
